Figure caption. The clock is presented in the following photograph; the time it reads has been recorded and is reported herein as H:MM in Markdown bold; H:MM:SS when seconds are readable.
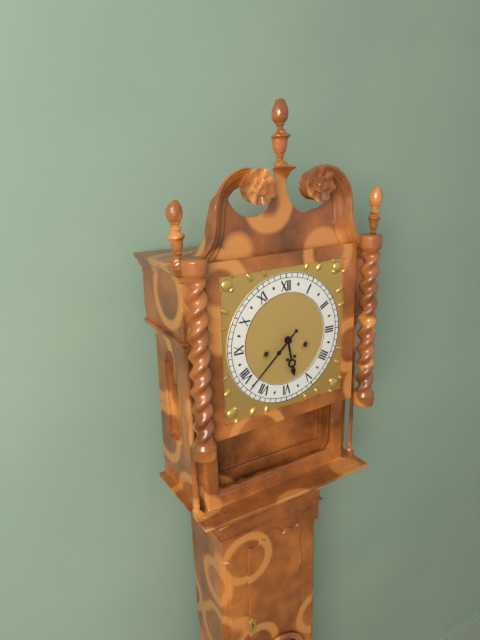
**5:38**
